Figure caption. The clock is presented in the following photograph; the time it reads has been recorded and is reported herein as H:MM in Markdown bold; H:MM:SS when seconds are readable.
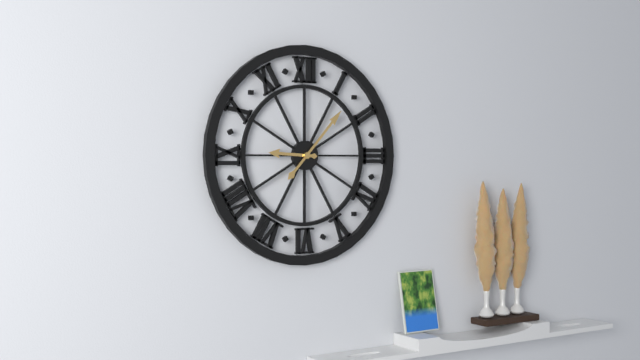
**9:07**
